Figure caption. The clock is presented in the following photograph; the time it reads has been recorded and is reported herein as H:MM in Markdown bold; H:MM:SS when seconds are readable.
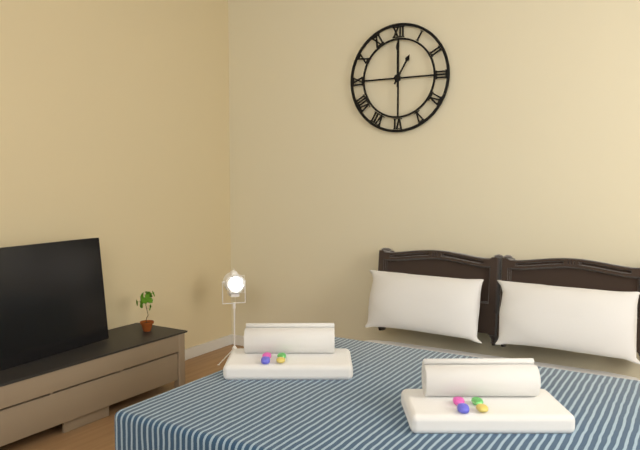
**1:00**
